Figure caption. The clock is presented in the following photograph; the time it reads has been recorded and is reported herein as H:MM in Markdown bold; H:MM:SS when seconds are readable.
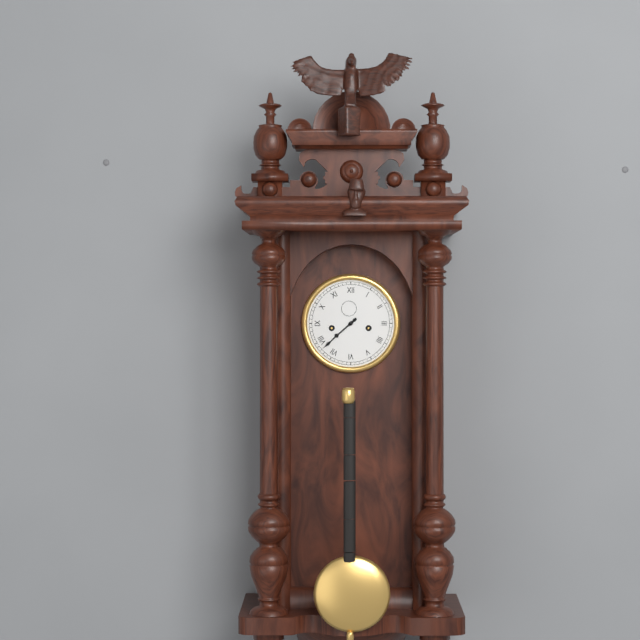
**7:38**
